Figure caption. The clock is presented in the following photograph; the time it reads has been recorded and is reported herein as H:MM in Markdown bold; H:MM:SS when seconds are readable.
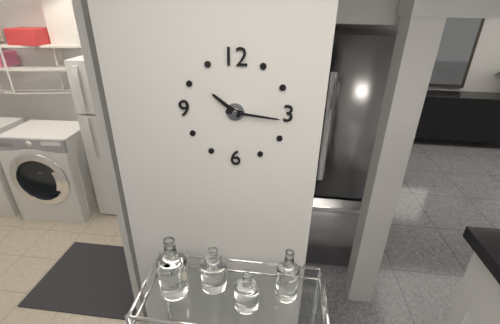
**10:16**
